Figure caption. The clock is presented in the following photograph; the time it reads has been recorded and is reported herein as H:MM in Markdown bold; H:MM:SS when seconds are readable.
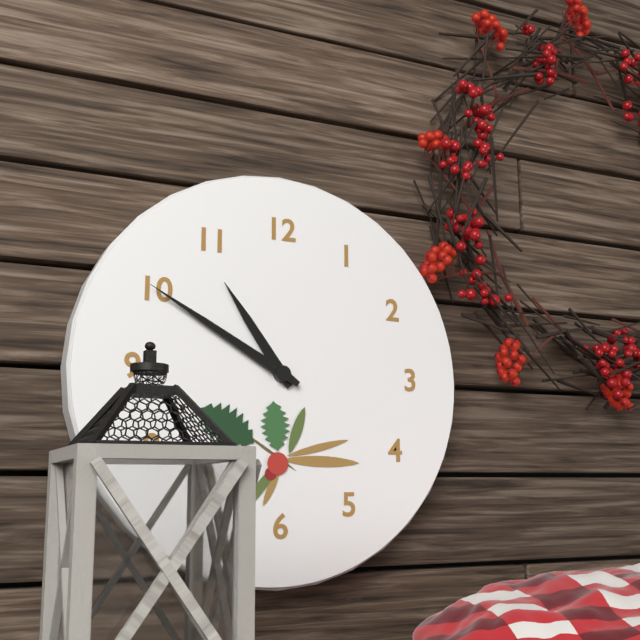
**10:50**
